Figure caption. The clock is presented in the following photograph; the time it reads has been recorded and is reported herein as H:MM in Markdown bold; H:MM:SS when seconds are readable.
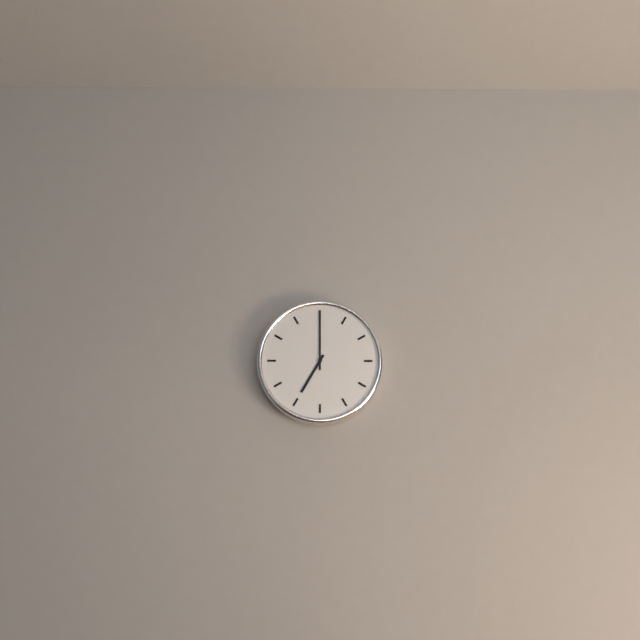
**7:00**
